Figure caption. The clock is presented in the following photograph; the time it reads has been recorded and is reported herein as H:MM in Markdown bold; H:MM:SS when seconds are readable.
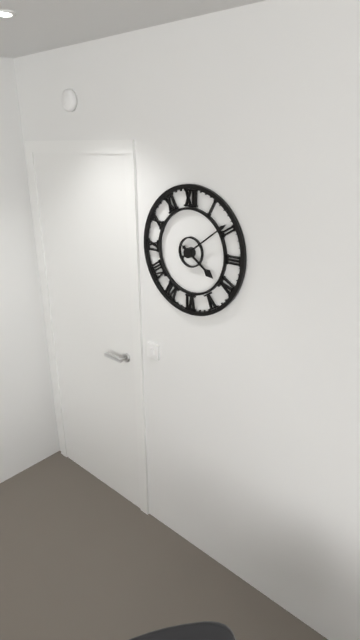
**4:09**
